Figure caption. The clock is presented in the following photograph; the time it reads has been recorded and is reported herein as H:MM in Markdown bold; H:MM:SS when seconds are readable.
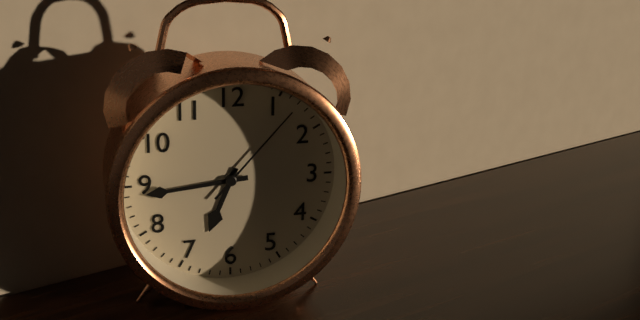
**6:44:07**
